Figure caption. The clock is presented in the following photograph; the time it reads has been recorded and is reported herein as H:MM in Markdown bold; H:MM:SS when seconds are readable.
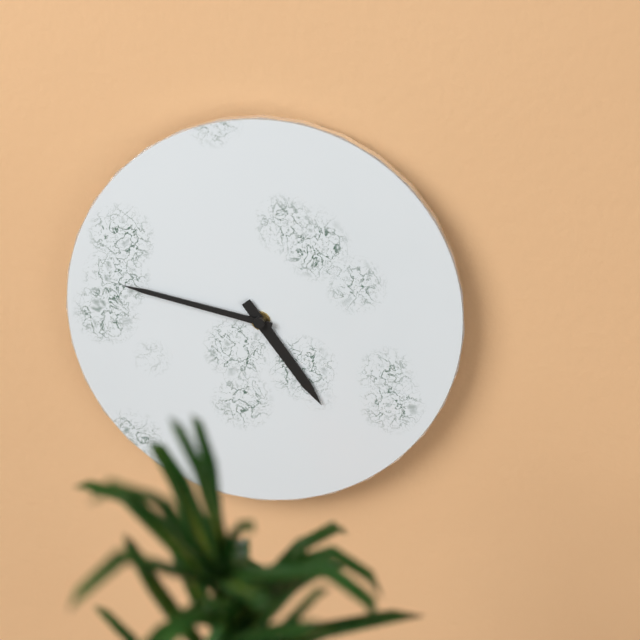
**4:47**
